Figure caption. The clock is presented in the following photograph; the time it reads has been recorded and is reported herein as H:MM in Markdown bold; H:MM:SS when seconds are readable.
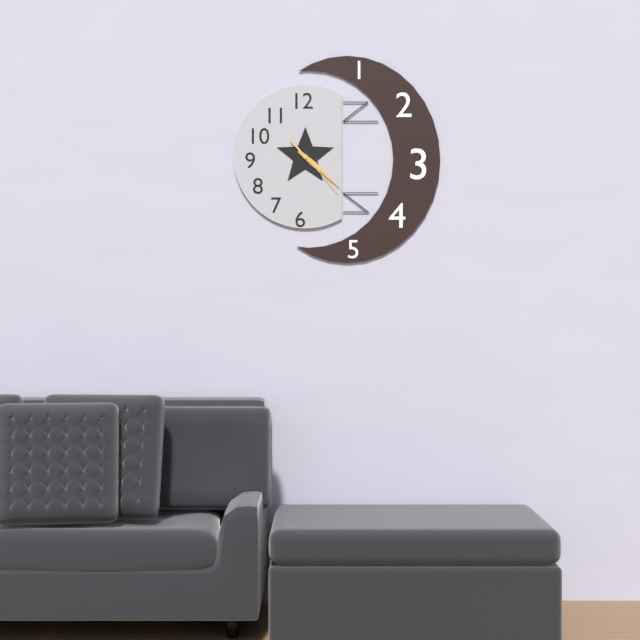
**4:22:23**
